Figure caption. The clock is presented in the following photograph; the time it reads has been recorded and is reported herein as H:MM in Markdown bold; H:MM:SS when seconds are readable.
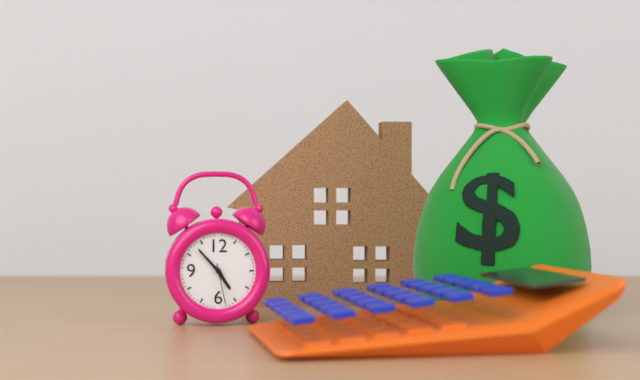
**4:53**
